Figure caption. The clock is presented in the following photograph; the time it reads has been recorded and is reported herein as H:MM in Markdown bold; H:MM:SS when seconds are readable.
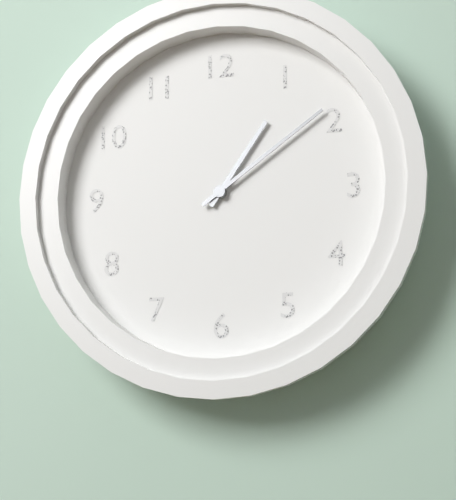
**1:09**
